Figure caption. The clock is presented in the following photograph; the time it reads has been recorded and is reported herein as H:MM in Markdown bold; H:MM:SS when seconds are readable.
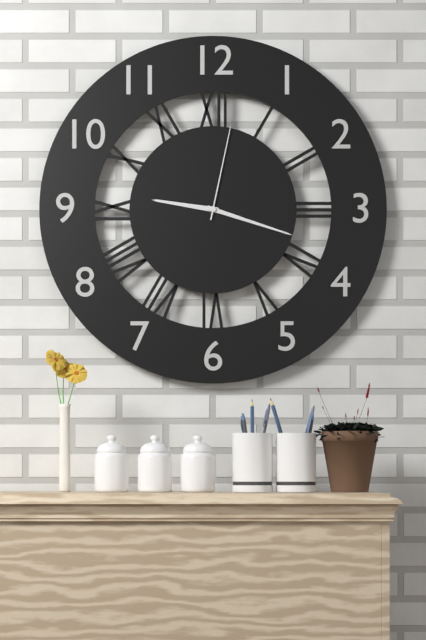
**9:18:02**
